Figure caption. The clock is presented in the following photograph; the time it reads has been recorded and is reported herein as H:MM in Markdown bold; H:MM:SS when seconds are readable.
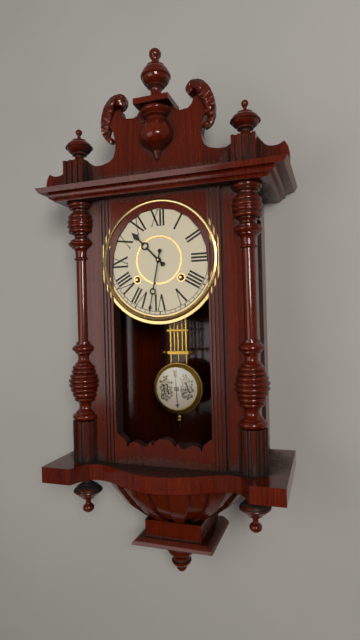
**10:32**
